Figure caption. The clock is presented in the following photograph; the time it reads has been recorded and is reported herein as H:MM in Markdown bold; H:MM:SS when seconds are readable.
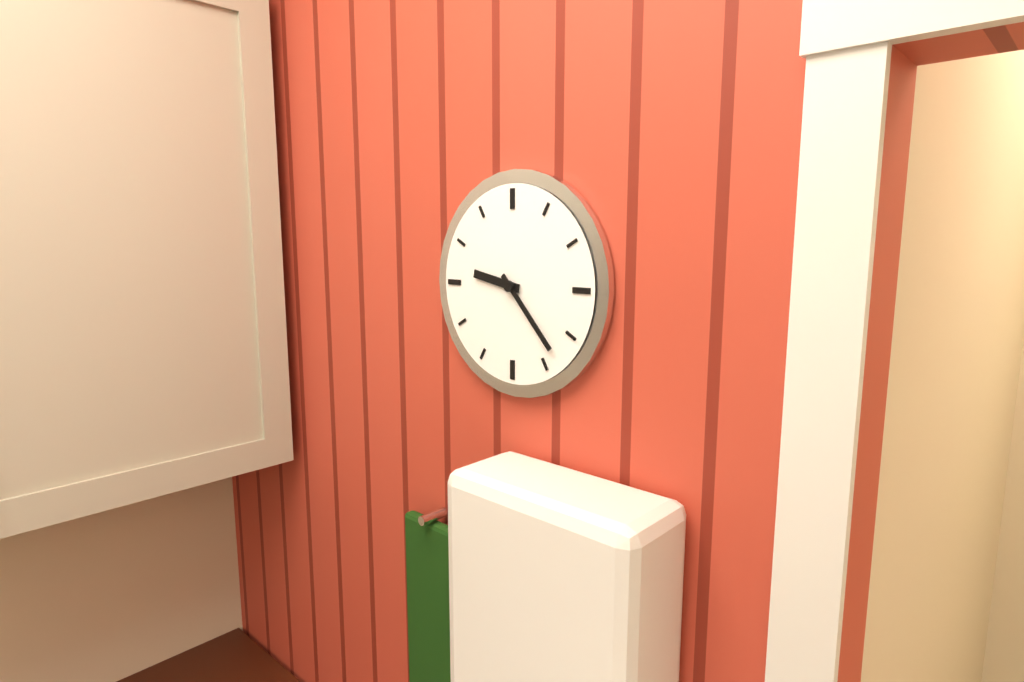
**9:23**
